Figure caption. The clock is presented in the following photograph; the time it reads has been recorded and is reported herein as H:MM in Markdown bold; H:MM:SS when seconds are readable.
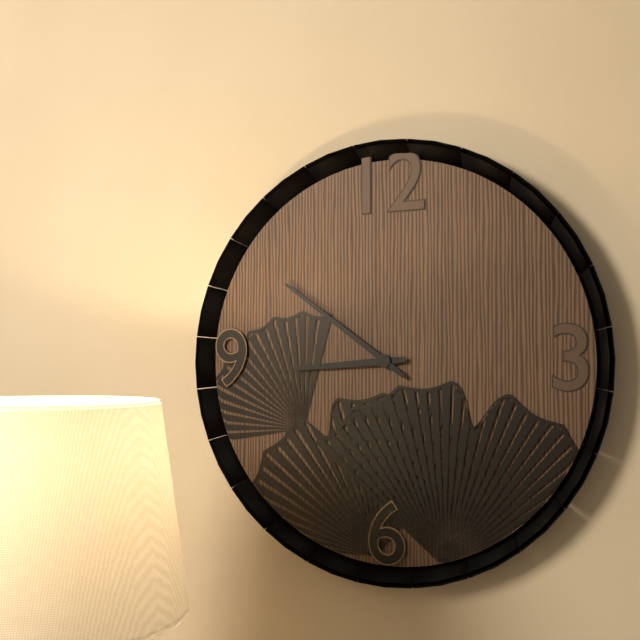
**8:51**
